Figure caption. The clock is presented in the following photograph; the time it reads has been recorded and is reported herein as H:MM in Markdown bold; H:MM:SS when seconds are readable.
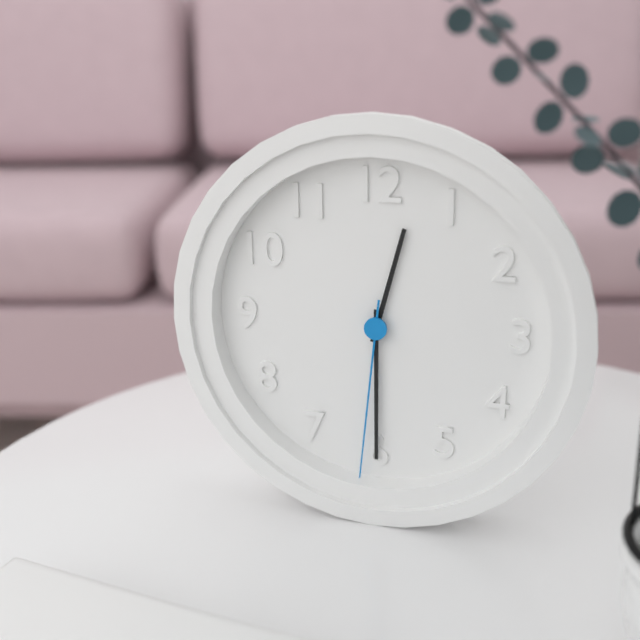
**12:30:31**
